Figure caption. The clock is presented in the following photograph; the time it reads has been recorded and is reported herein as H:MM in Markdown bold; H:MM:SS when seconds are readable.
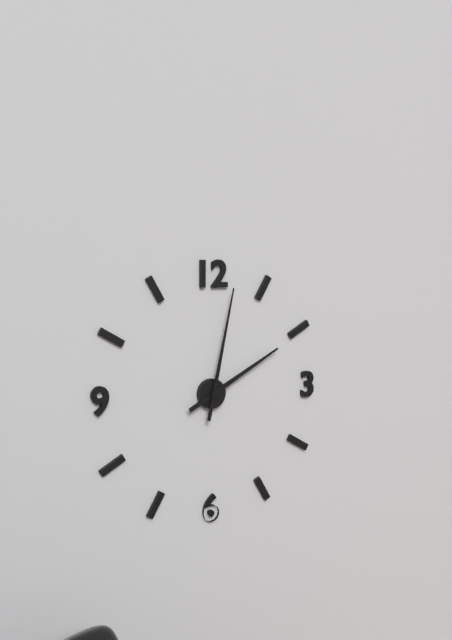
**2:02**
